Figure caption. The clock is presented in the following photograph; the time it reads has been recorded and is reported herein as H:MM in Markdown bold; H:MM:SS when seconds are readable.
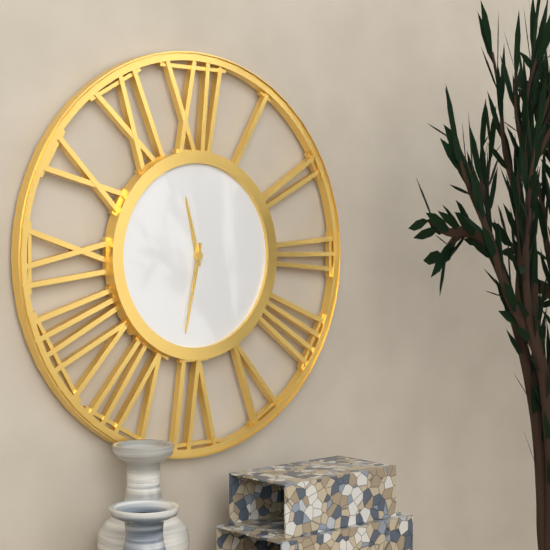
**11:32**
